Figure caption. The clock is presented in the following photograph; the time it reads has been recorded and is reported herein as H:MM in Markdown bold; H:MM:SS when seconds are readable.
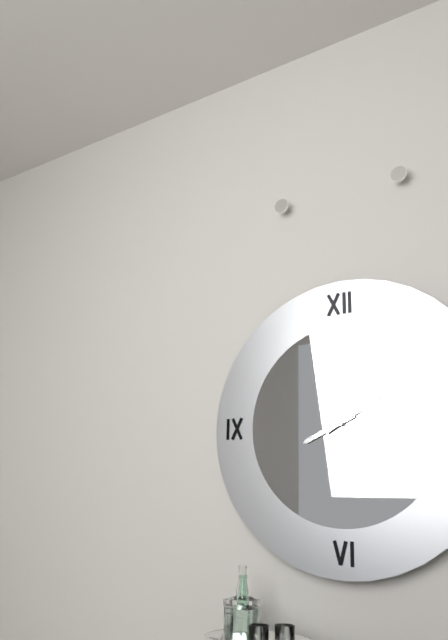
**8:10**
